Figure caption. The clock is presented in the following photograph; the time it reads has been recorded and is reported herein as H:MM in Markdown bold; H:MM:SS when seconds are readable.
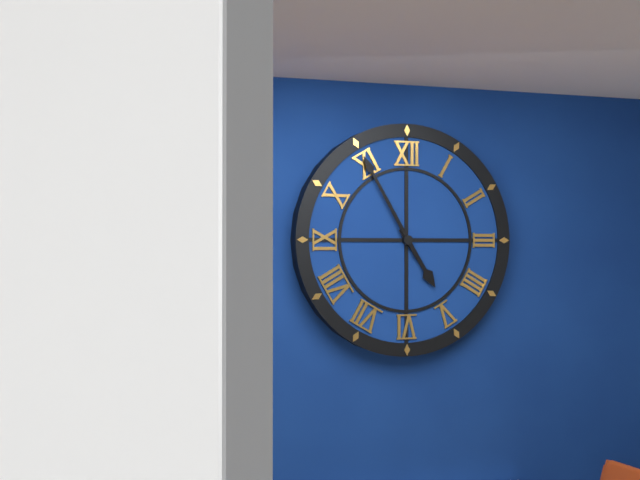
**4:55**
